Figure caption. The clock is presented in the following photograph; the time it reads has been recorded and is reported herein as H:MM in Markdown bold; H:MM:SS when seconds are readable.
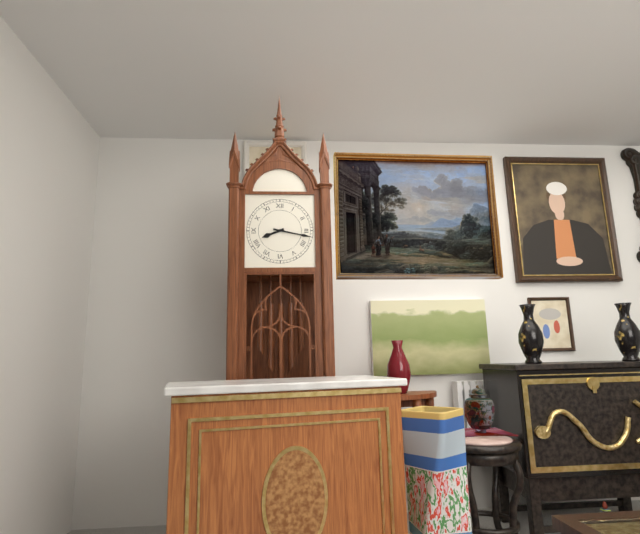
**8:17**
